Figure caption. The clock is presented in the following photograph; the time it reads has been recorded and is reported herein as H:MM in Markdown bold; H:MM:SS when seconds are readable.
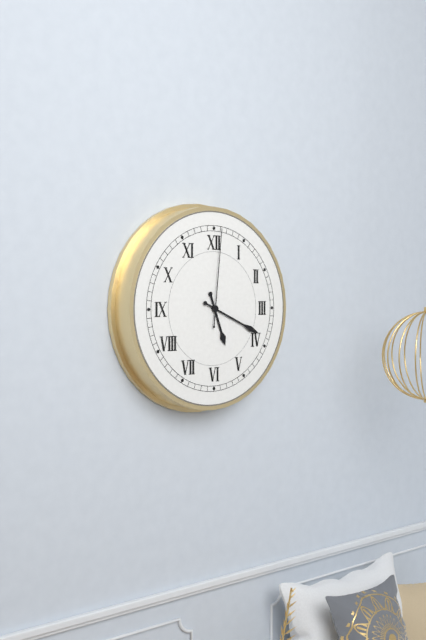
**5:19:01**
